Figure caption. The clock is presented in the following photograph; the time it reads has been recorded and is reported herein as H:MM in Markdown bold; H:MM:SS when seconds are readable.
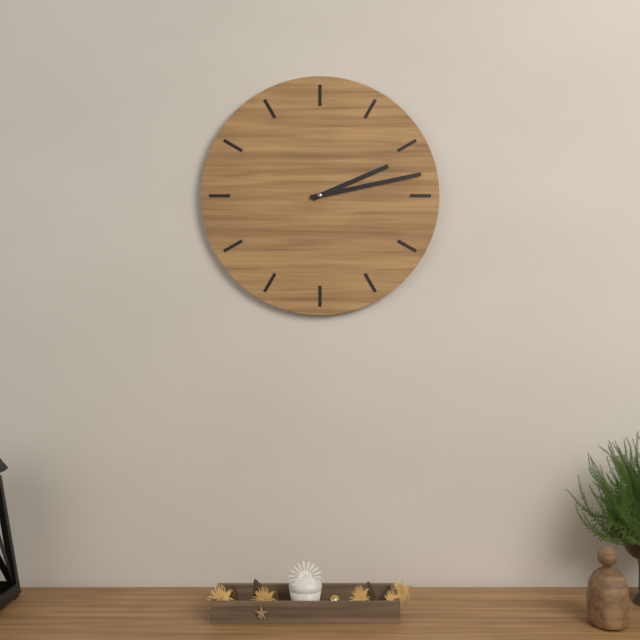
**2:13**
